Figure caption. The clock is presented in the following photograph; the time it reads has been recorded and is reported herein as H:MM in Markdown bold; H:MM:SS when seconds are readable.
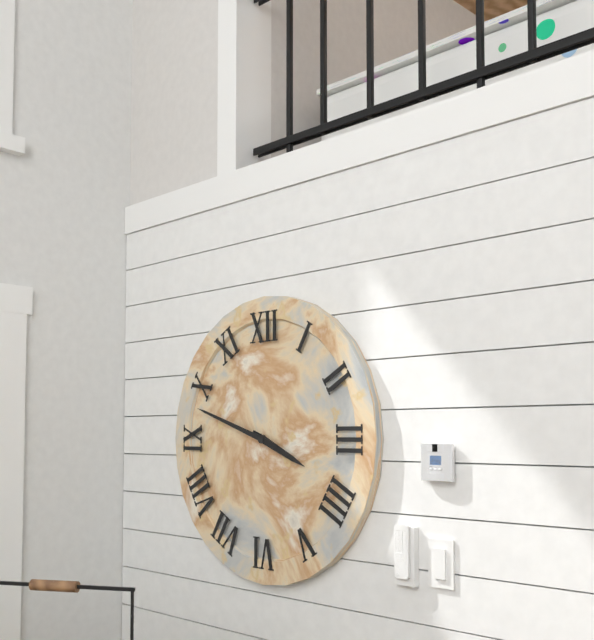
**3:48**
